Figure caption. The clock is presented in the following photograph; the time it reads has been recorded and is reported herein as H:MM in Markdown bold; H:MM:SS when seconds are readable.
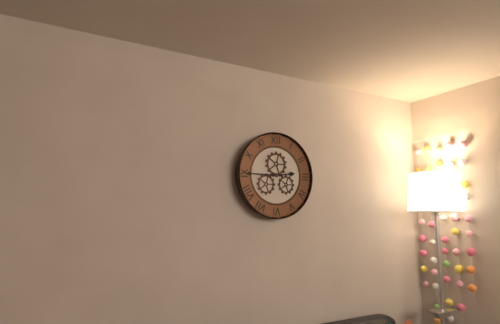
**2:45**
